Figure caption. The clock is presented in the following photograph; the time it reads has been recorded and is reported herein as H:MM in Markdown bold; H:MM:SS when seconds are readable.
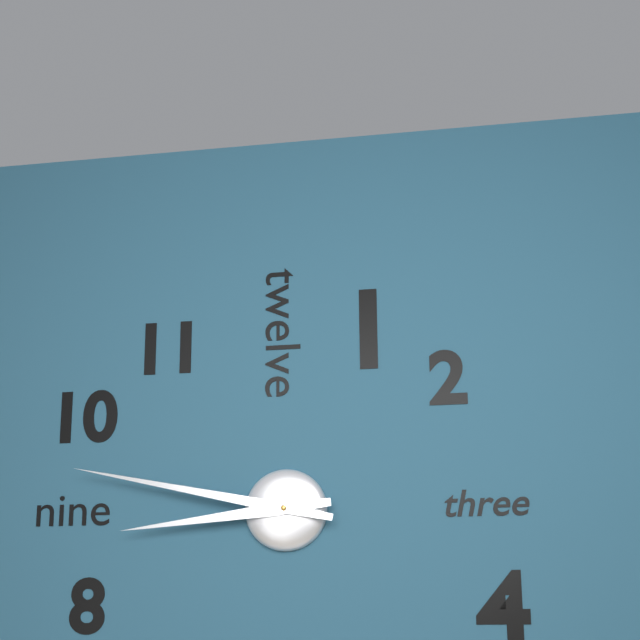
**8:47**
